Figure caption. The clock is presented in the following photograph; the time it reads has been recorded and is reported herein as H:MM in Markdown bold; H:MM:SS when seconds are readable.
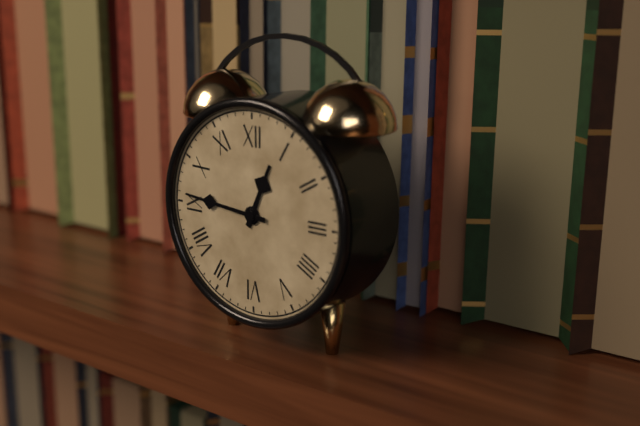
**12:46**
